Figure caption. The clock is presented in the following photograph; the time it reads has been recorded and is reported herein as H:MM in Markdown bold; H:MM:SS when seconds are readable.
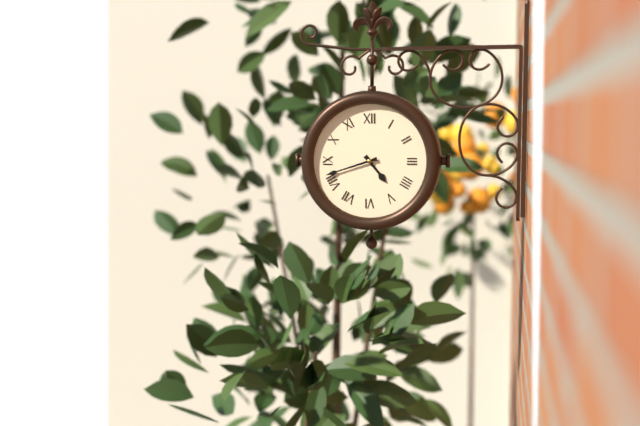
**4:42**
